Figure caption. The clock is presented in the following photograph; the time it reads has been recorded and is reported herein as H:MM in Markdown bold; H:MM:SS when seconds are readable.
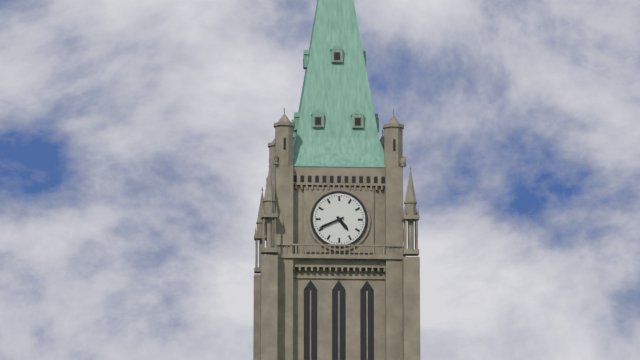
**4:41**
